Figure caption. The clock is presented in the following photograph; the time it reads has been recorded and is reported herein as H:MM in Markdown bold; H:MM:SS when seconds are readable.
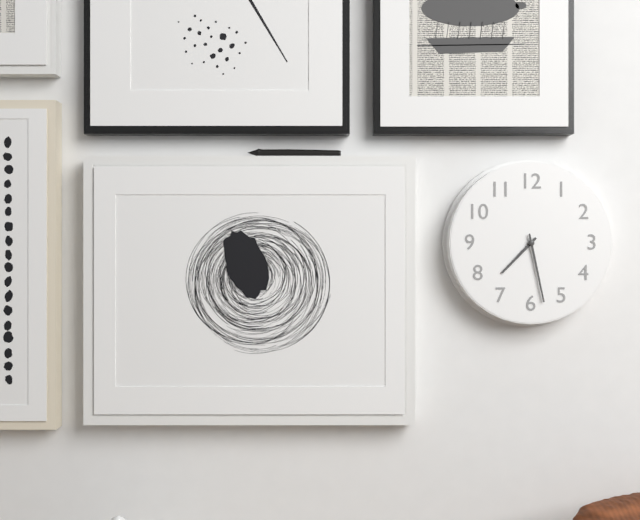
**7:28**
